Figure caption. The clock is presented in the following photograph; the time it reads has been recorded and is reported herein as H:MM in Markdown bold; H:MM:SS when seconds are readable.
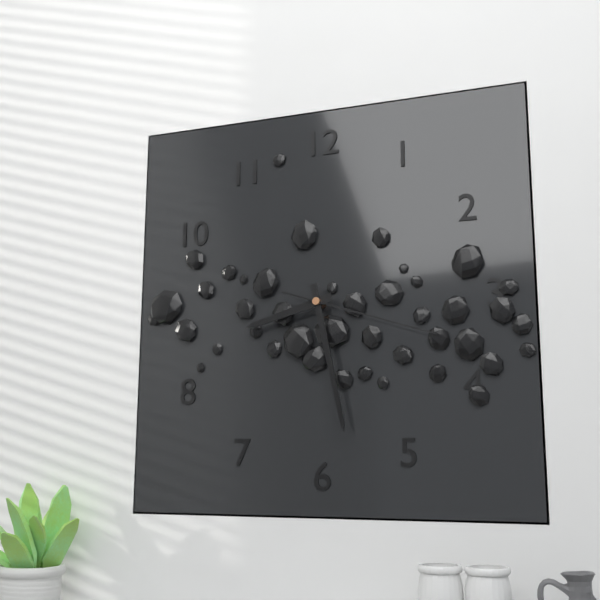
**8:28:18**
